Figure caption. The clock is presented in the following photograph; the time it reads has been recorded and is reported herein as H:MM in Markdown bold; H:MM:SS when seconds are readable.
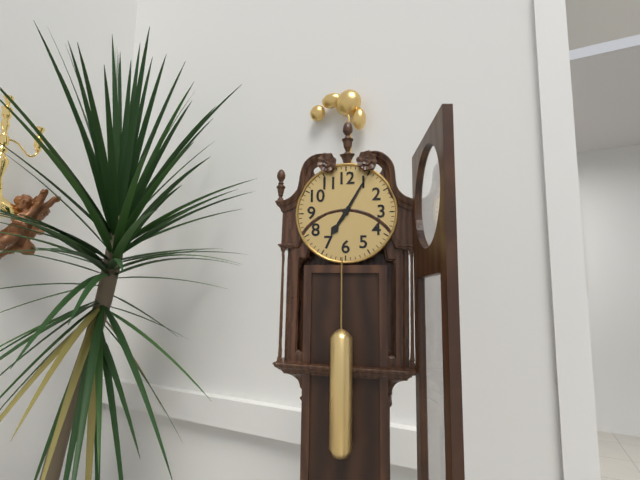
**7:05**
